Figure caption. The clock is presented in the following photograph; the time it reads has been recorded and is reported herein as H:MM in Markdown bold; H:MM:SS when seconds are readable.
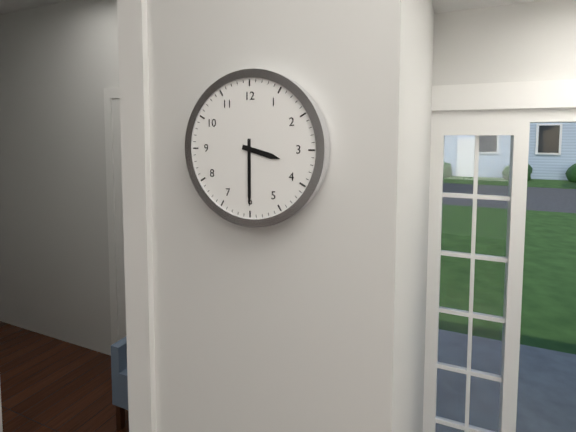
**3:30**
